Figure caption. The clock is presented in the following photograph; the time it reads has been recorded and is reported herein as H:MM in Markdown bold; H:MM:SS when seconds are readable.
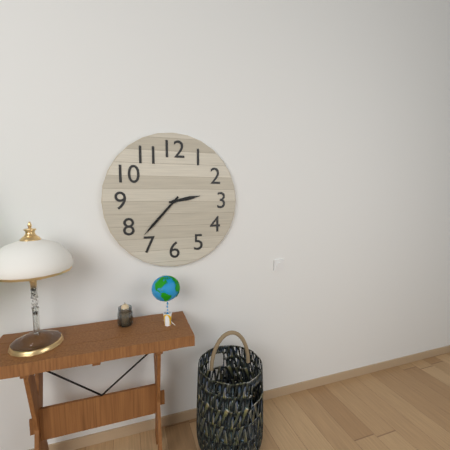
**2:37**
